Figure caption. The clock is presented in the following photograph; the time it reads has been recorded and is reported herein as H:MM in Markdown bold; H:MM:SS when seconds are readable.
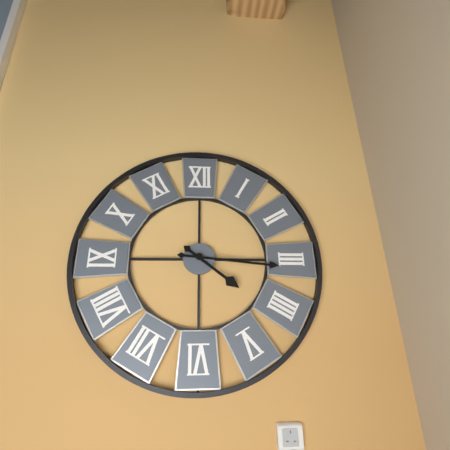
**4:16**
